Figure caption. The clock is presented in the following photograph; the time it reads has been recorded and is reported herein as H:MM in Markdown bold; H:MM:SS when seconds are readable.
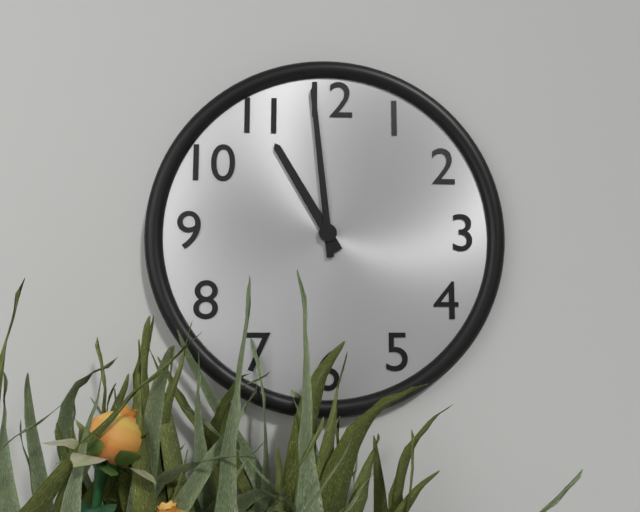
**10:59**
